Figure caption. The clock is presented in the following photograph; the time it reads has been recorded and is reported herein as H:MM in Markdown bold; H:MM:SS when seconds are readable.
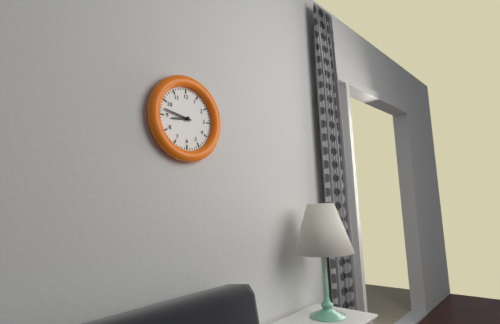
**8:47**
